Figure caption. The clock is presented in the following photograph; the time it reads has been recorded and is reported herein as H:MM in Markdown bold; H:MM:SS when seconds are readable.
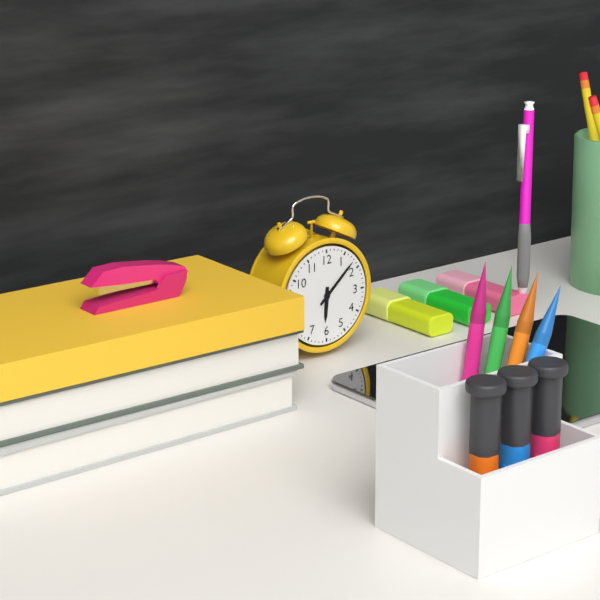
**6:08**
